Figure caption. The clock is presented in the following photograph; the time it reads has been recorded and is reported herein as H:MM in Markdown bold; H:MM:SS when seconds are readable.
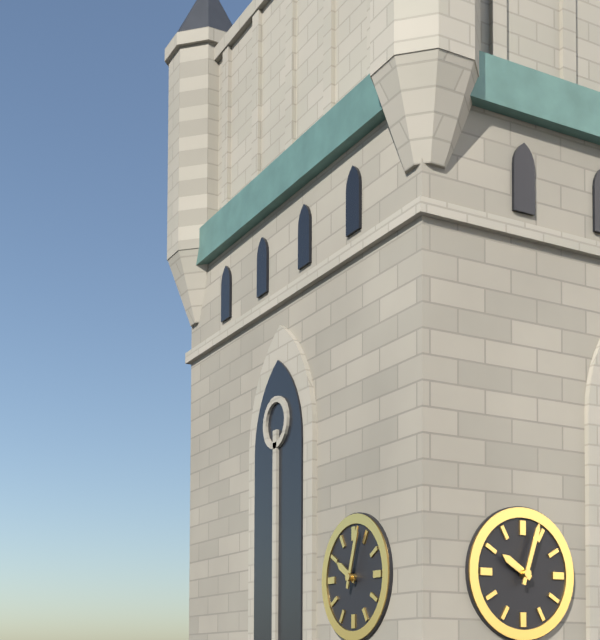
**10:03**
